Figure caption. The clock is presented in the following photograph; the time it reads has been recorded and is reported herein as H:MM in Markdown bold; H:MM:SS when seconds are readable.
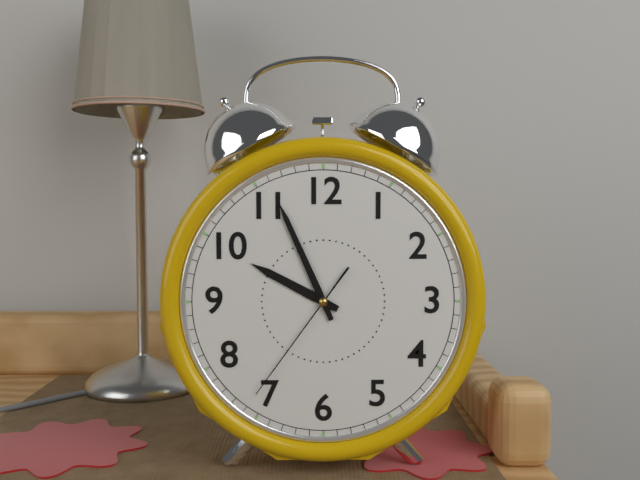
**9:56:36**
